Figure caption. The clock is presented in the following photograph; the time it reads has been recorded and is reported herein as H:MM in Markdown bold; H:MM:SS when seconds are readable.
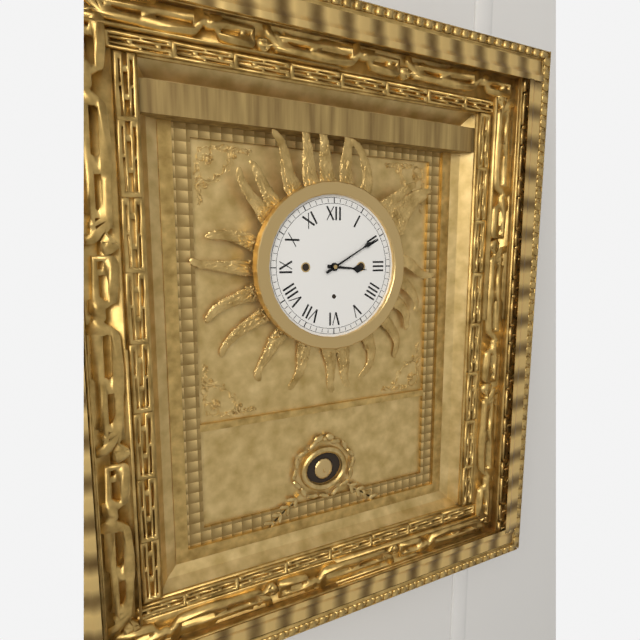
**3:10**
